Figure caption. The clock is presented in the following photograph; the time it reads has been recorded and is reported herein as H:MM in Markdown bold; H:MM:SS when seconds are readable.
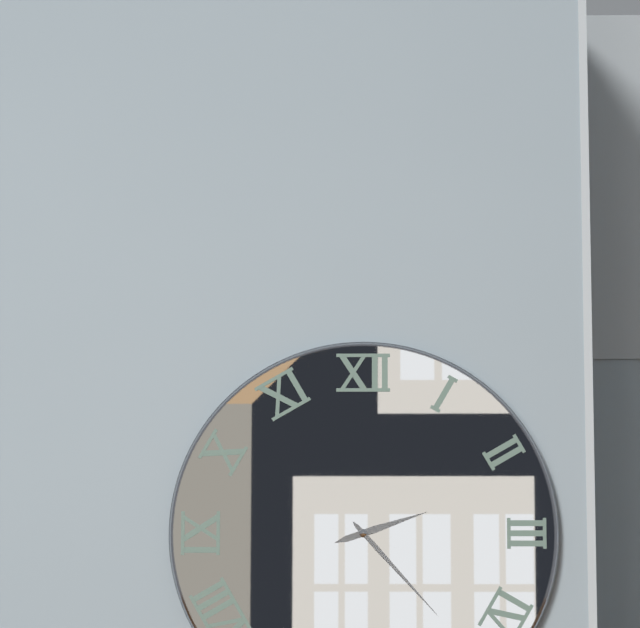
**2:23**
